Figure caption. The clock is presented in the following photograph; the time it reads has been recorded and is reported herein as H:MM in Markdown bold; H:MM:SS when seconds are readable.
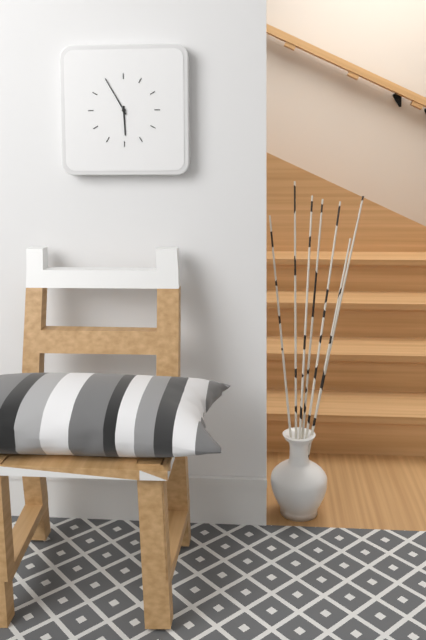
**5:55**
